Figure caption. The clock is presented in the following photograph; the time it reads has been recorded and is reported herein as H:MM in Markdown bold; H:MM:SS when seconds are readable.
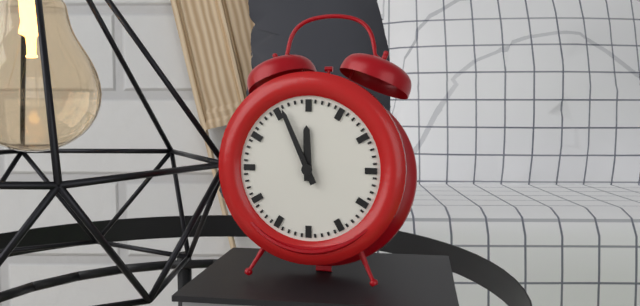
**11:56**
